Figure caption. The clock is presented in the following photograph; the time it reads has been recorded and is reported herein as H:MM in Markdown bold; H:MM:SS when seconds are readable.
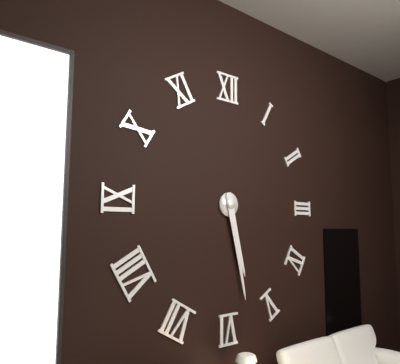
**5:28**
